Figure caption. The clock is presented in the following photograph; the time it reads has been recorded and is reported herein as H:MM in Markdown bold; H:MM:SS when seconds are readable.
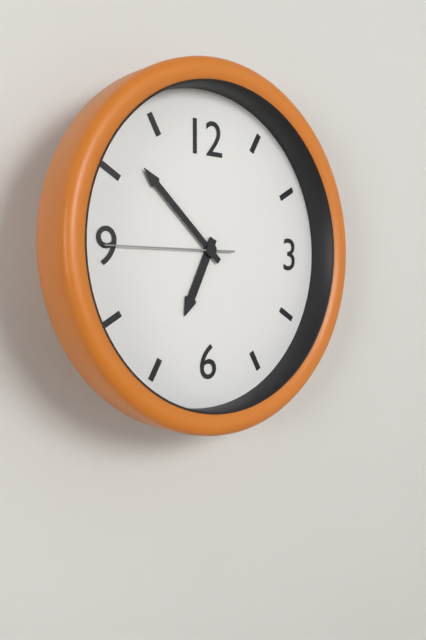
**6:52:45**
